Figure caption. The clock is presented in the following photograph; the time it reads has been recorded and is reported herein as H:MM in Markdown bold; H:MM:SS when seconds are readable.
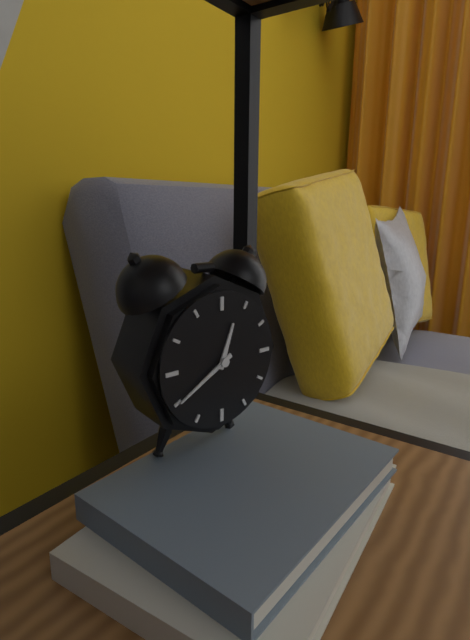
**12:40**
